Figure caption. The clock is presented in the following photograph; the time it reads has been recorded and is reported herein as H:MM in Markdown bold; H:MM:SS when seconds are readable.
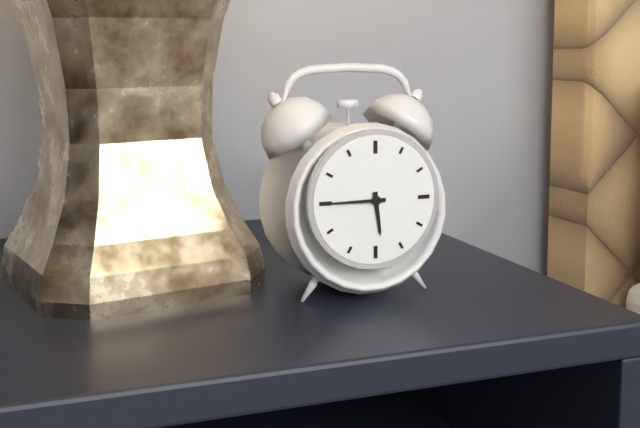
**5:45**
